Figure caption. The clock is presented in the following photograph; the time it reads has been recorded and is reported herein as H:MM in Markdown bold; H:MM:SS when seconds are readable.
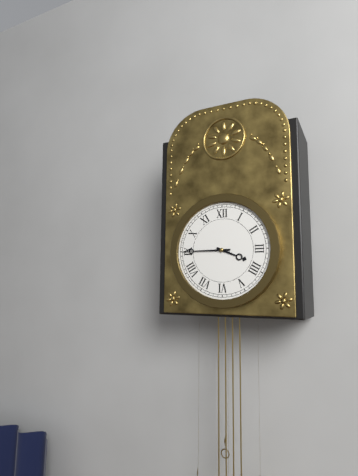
**3:45**
